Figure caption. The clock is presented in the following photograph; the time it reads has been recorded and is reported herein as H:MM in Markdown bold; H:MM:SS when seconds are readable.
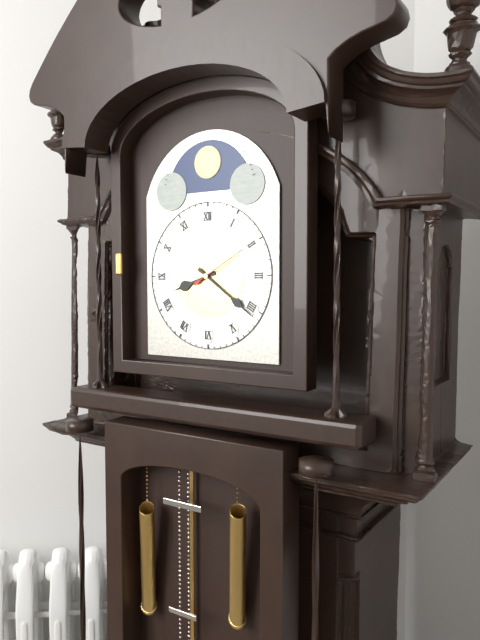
**8:21:10**
